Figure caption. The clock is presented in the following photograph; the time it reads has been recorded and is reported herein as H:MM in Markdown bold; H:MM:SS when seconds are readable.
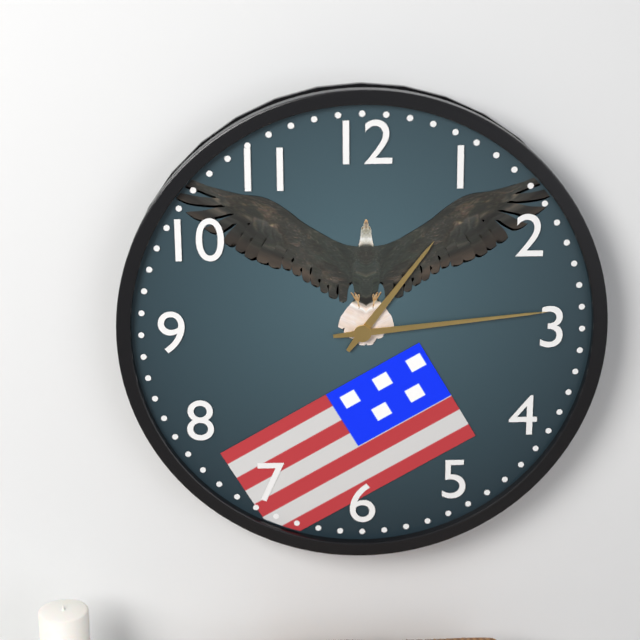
**1:14**
